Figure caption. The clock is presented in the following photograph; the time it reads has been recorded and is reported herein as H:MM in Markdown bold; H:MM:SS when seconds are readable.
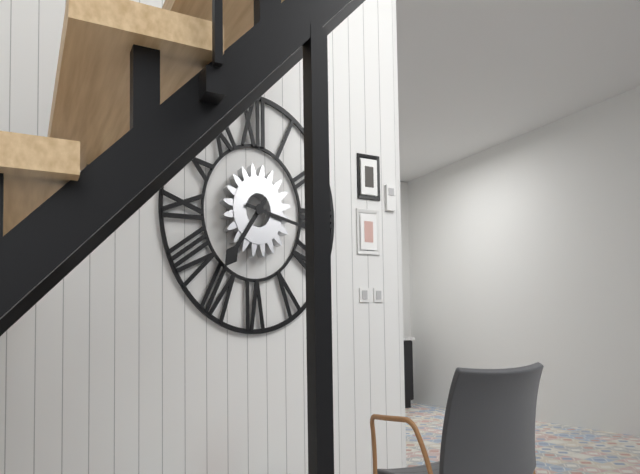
**7:17**
